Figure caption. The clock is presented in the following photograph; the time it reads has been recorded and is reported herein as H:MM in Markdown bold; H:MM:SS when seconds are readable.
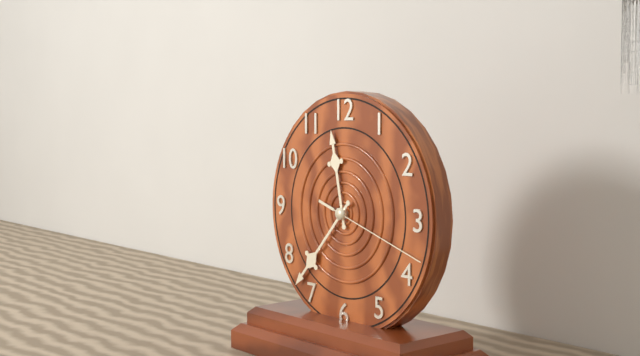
**11:37:18**
